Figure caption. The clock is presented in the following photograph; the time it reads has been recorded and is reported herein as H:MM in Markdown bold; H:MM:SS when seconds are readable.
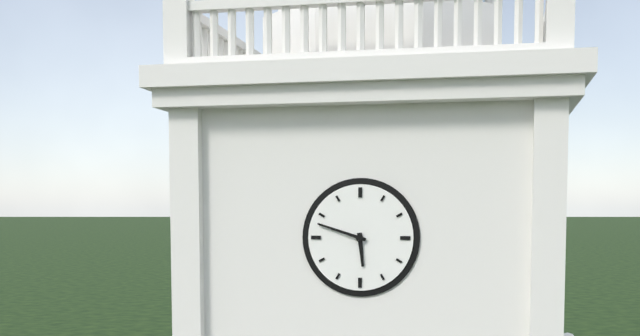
**5:48**
